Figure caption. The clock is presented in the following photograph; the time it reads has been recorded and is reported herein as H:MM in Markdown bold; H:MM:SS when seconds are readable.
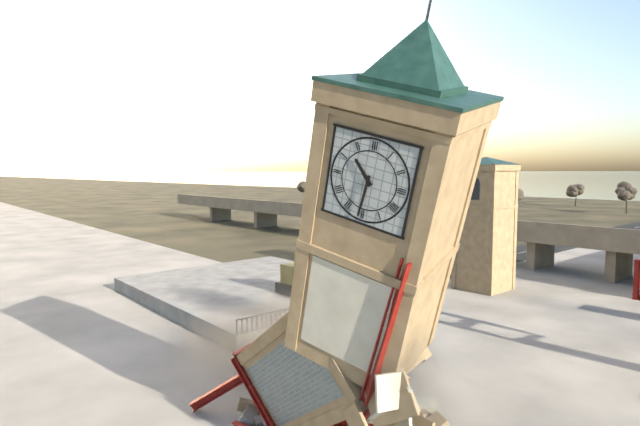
**10:31**
